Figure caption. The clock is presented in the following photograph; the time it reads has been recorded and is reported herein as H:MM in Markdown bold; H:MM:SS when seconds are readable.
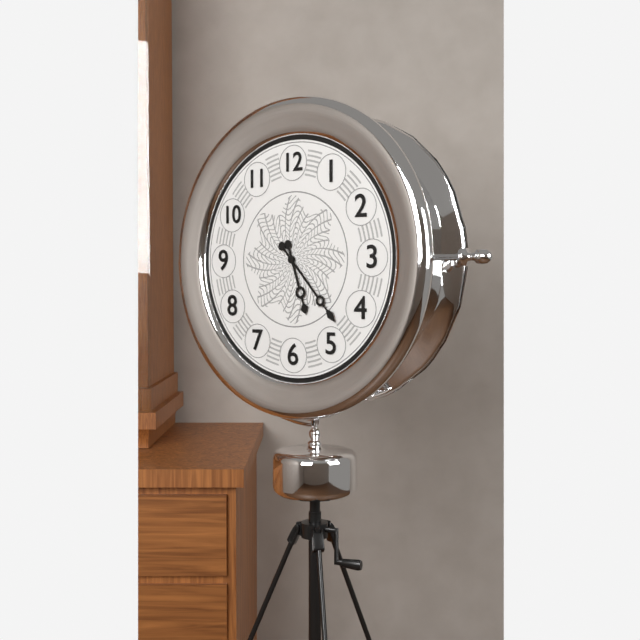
**5:23**
